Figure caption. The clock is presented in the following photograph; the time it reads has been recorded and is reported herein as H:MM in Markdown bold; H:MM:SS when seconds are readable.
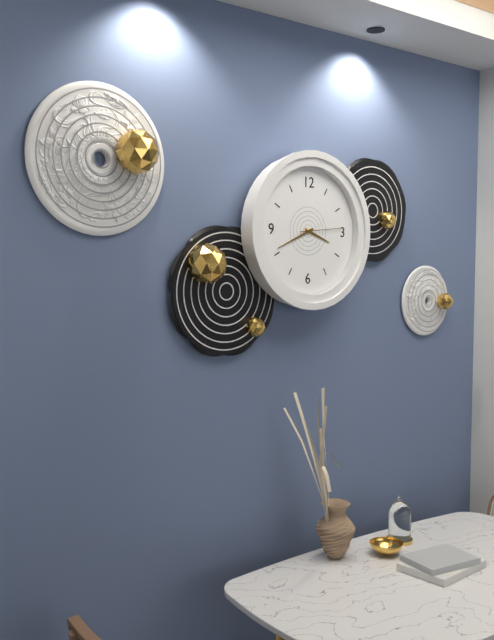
**3:41**
